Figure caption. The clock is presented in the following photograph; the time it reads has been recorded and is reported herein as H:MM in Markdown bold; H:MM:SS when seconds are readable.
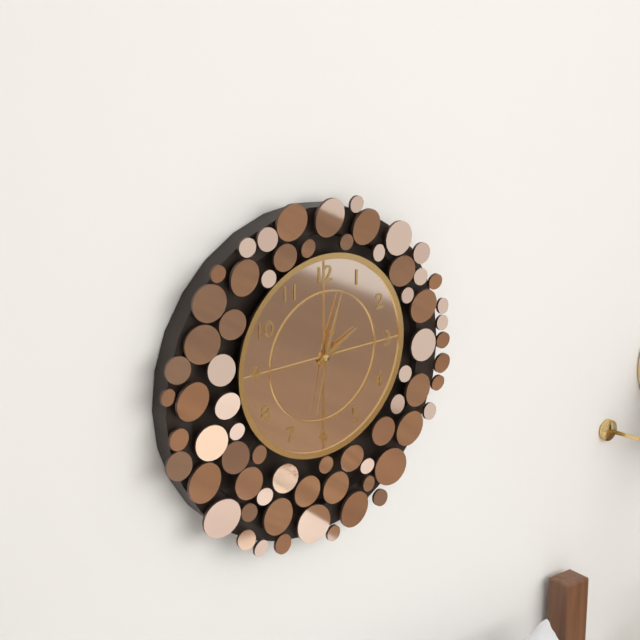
**2:03:32**
